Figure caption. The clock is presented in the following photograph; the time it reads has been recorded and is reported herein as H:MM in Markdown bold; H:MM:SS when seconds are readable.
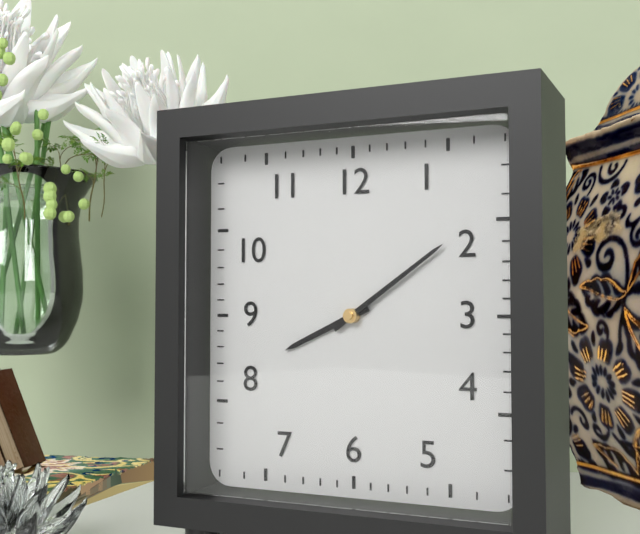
**8:09**
